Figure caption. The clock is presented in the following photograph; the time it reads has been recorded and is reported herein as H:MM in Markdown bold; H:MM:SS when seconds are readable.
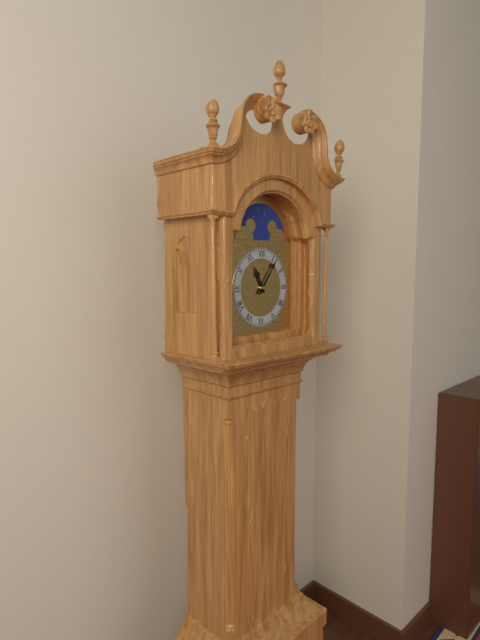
**11:06**
